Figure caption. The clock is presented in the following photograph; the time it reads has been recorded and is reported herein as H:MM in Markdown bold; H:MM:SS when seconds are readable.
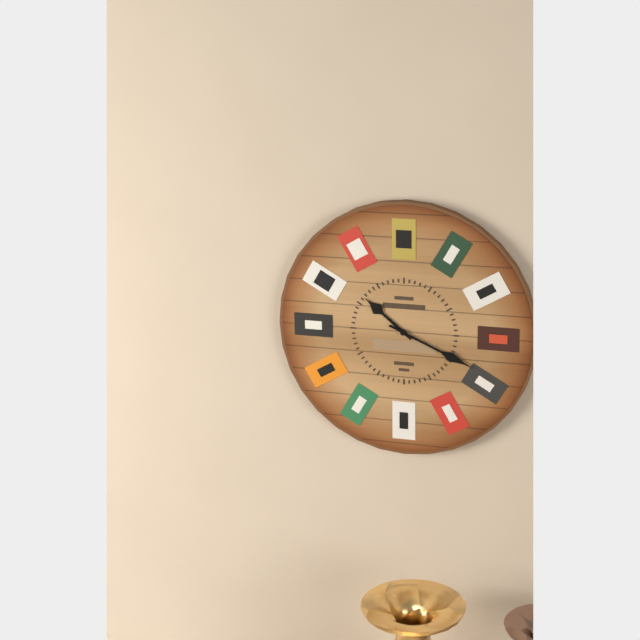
**10:19**
